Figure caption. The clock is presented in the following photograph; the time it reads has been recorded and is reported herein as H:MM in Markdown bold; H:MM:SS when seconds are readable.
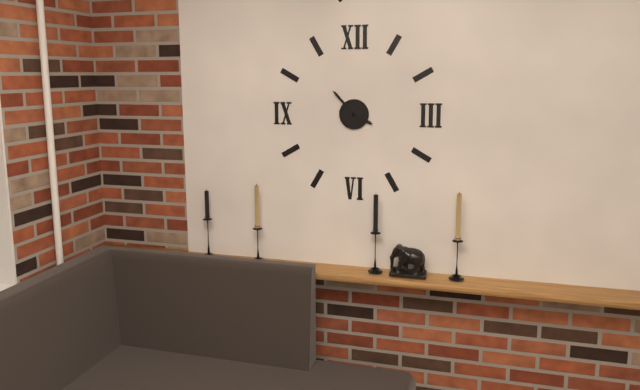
**3:53**
